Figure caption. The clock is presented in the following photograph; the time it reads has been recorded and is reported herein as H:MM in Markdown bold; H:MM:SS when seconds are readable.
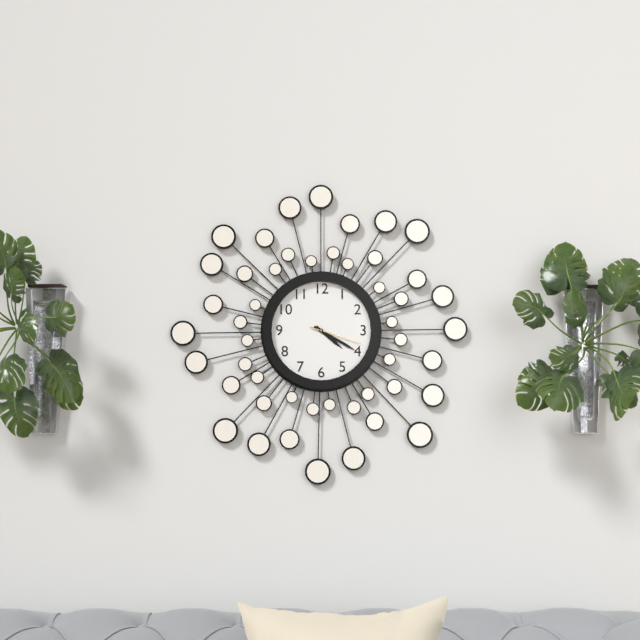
**4:20:18**
